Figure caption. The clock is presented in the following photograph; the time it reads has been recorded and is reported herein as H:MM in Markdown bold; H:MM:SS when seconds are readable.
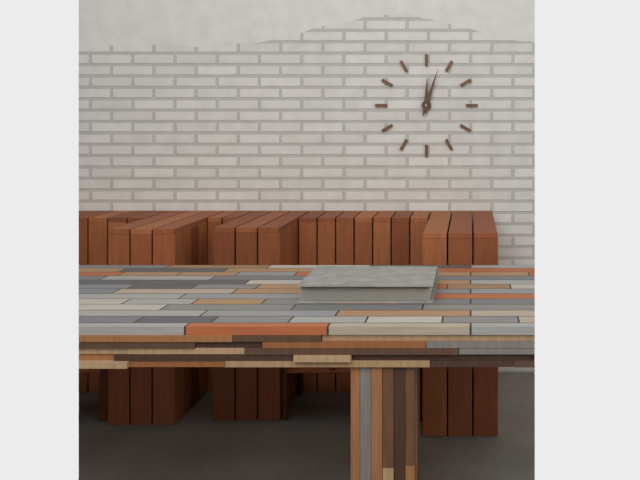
**12:03**
